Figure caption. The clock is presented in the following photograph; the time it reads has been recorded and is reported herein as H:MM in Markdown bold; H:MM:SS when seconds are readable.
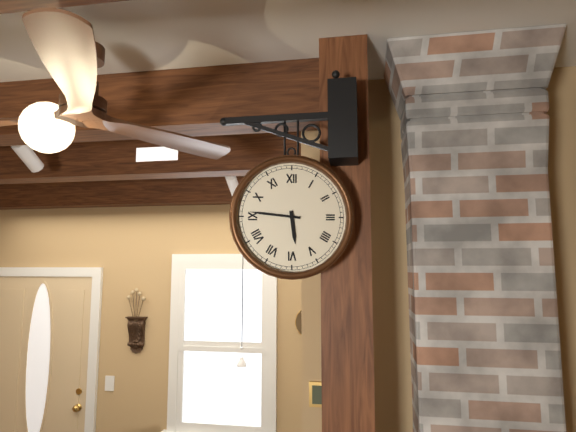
**5:46**
